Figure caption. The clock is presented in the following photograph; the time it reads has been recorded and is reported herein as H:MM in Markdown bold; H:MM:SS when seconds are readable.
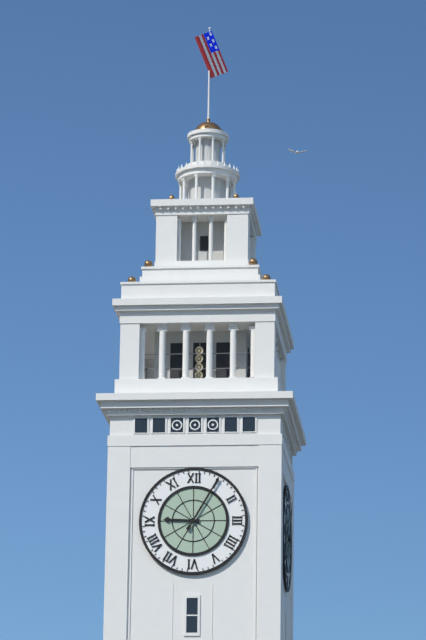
**9:05**
